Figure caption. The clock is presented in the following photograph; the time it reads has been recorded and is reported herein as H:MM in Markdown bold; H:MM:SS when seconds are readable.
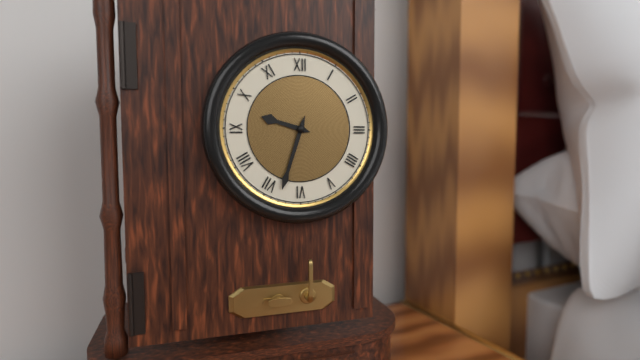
**9:33**
